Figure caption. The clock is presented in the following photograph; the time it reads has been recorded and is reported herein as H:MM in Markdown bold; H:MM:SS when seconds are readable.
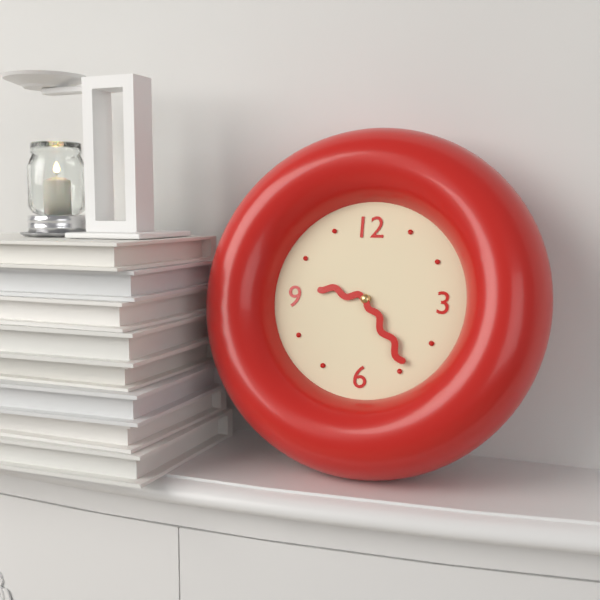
**9:24**
